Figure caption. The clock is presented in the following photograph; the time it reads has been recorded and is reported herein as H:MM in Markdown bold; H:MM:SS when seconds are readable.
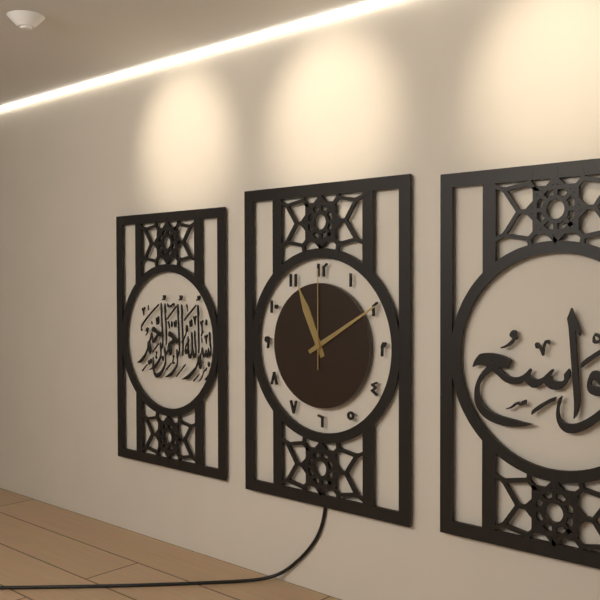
**11:10:00**
